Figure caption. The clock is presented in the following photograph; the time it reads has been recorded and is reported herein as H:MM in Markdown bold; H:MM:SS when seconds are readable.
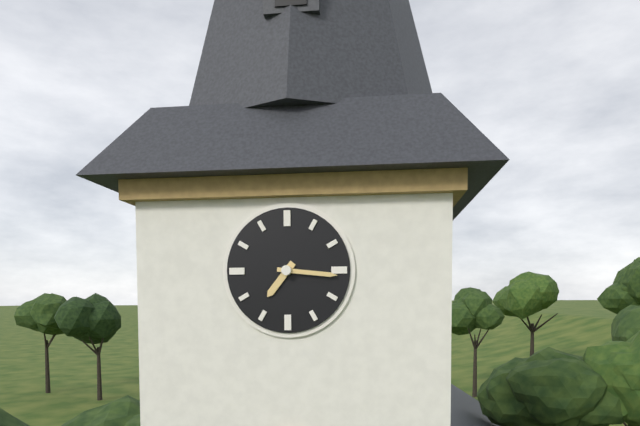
**7:16**
